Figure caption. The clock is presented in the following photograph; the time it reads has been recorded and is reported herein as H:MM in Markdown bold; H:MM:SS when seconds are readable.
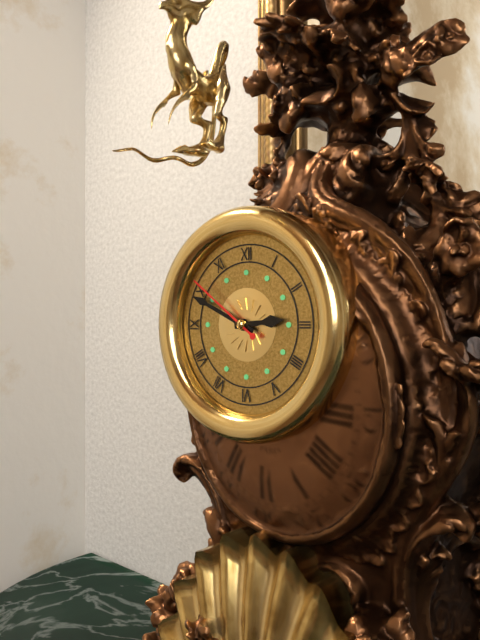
**2:49:51**
